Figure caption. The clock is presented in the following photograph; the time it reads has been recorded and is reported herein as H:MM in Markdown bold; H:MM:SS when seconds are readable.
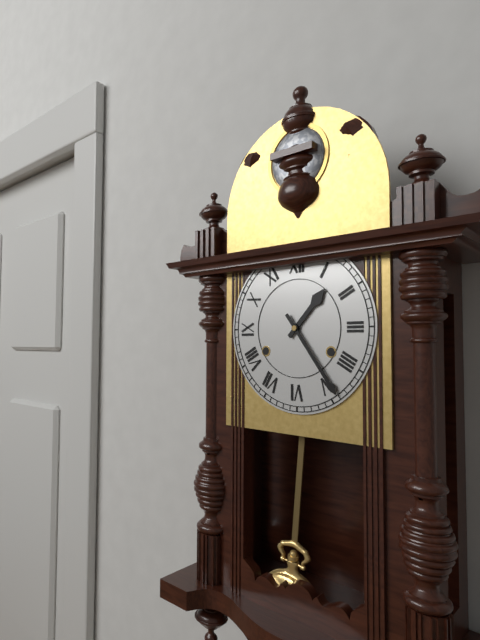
**1:24**
